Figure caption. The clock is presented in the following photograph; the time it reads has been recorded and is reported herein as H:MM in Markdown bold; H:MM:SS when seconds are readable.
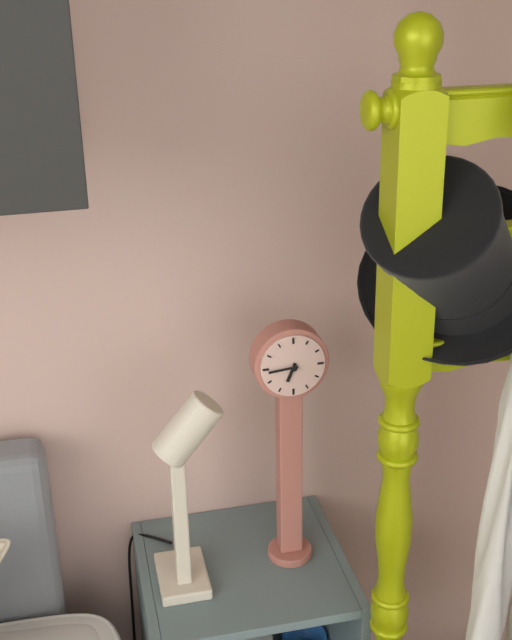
**6:44**
